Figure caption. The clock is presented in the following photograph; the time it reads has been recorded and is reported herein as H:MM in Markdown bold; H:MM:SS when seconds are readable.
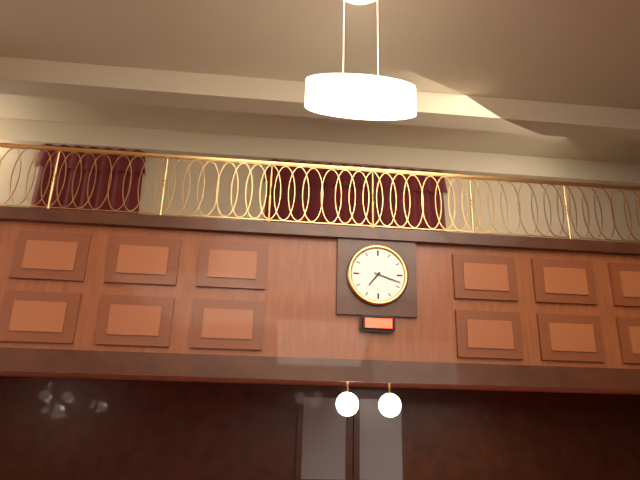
**7:18**
